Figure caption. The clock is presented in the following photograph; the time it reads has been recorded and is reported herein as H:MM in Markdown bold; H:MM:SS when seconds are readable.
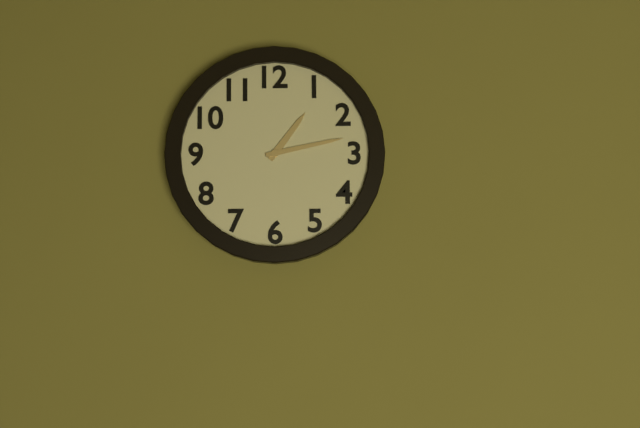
**1:13**
